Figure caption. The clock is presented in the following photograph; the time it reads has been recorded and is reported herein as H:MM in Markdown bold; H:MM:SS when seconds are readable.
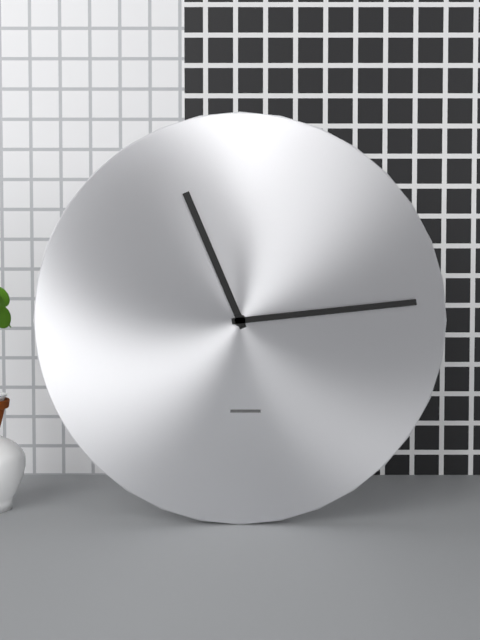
**11:14**
